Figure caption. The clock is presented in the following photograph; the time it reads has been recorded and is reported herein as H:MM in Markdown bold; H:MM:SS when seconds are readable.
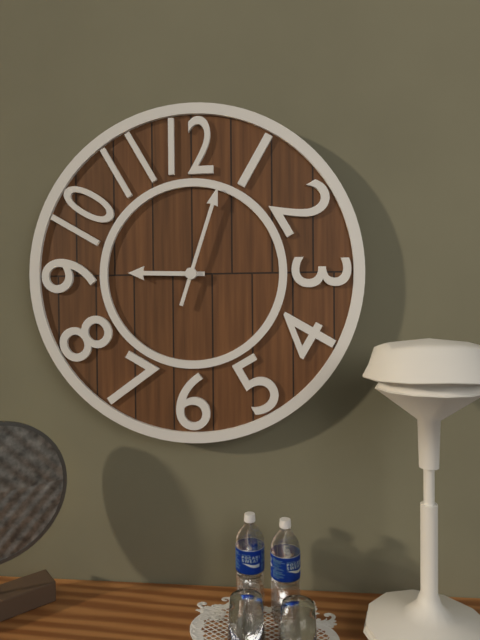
**9:03**
